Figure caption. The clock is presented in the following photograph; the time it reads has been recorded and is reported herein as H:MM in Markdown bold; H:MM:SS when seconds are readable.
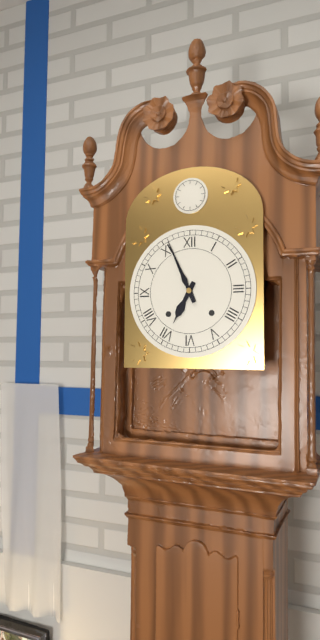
**6:56**
